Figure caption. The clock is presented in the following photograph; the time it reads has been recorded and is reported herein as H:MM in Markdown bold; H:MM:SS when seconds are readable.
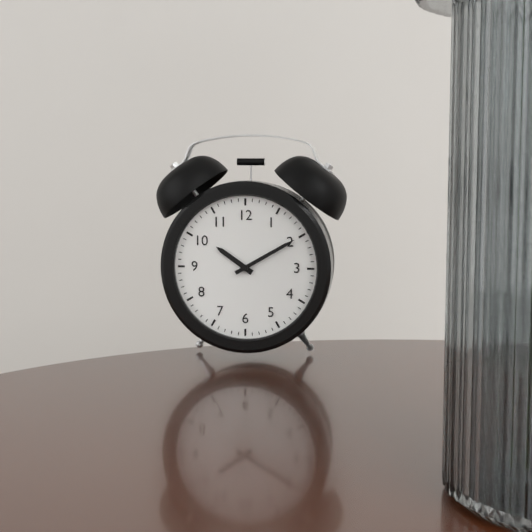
**10:10**
